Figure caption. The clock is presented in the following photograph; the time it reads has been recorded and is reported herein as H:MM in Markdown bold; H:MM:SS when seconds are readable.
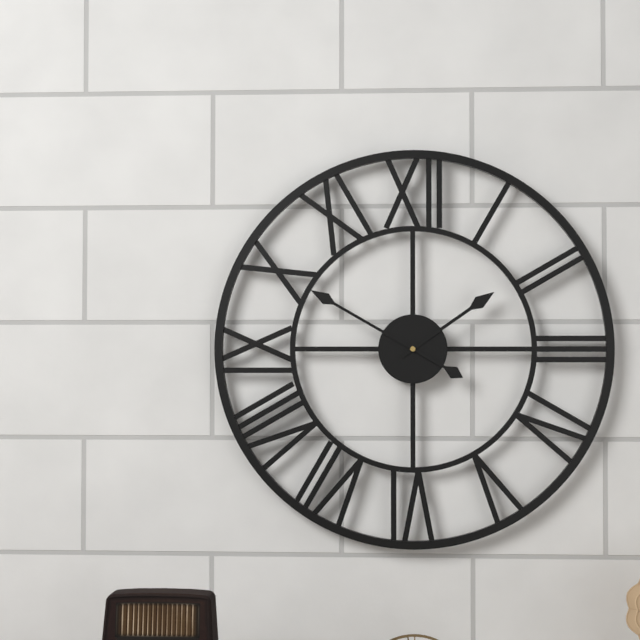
**1:50**
